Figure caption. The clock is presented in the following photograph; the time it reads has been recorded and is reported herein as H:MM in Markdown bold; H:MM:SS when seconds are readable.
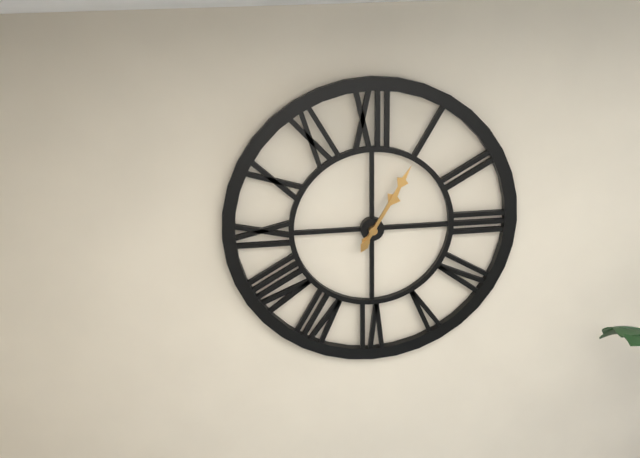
**1:05**
